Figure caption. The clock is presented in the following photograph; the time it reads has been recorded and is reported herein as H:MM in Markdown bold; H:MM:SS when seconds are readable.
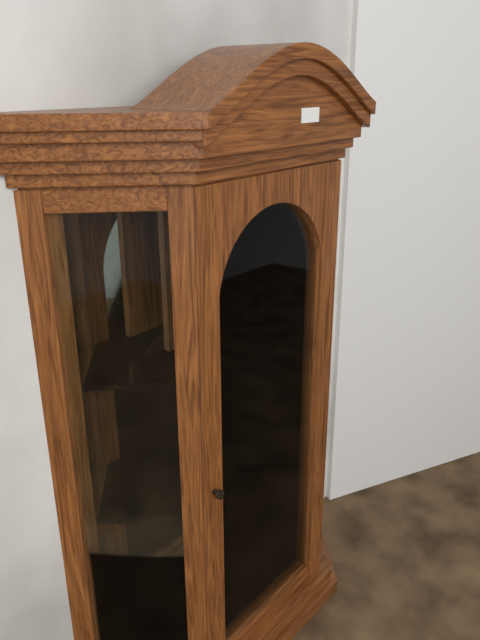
**9:31**
